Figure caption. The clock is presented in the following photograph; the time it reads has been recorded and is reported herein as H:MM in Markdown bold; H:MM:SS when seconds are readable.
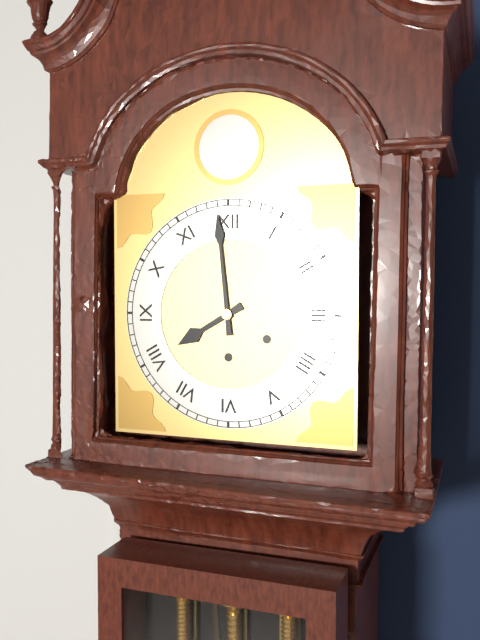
**7:59**
